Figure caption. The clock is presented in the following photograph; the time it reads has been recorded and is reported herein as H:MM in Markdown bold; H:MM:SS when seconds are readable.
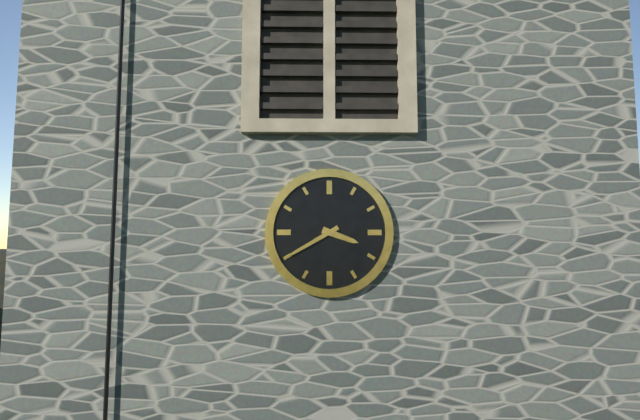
**3:40**
